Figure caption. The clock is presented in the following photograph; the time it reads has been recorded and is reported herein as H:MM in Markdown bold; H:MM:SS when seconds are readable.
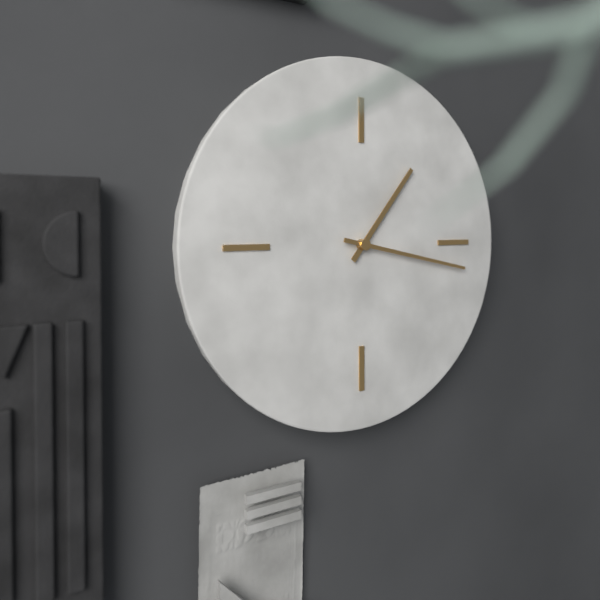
**1:17**
